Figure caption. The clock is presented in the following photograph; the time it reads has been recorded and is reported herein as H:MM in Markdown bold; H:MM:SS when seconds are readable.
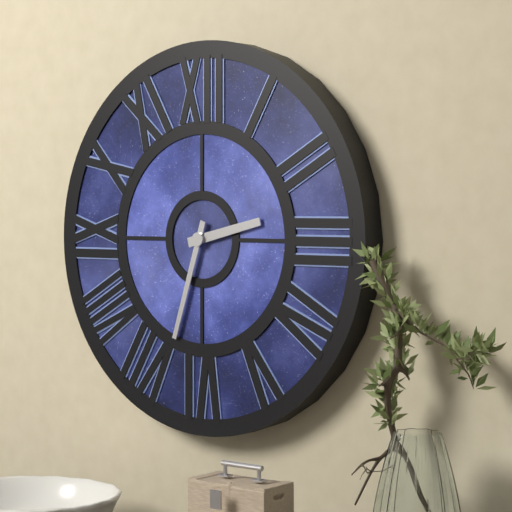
**2:33**
